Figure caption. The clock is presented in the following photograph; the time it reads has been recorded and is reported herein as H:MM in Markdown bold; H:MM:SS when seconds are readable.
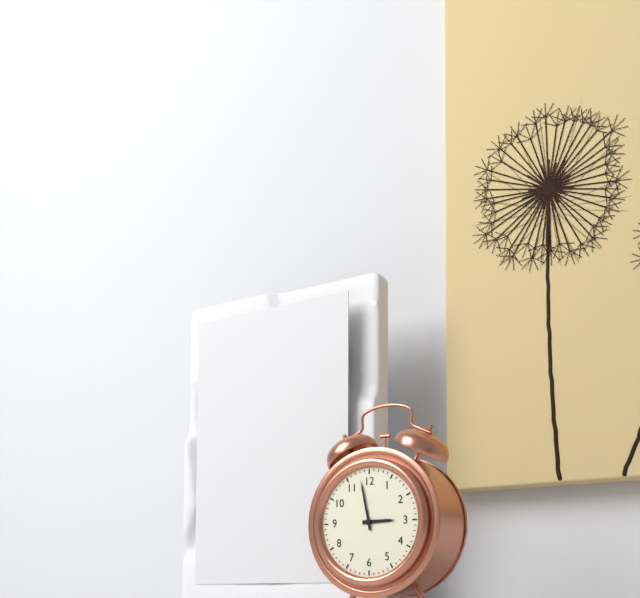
**2:58**
